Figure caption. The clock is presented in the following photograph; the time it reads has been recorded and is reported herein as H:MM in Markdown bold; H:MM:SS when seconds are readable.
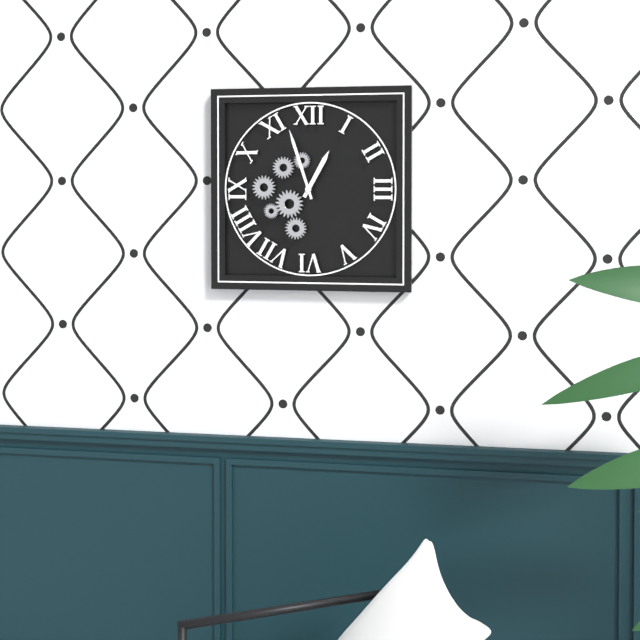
**12:57**
